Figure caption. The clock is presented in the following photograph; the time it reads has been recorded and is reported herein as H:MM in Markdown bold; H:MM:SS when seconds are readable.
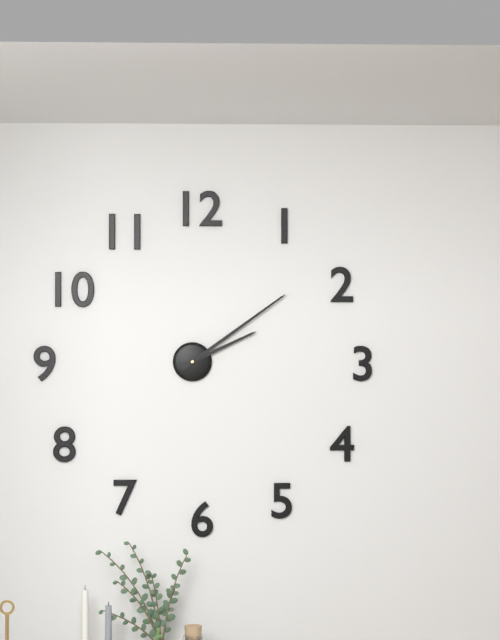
**2:09**
